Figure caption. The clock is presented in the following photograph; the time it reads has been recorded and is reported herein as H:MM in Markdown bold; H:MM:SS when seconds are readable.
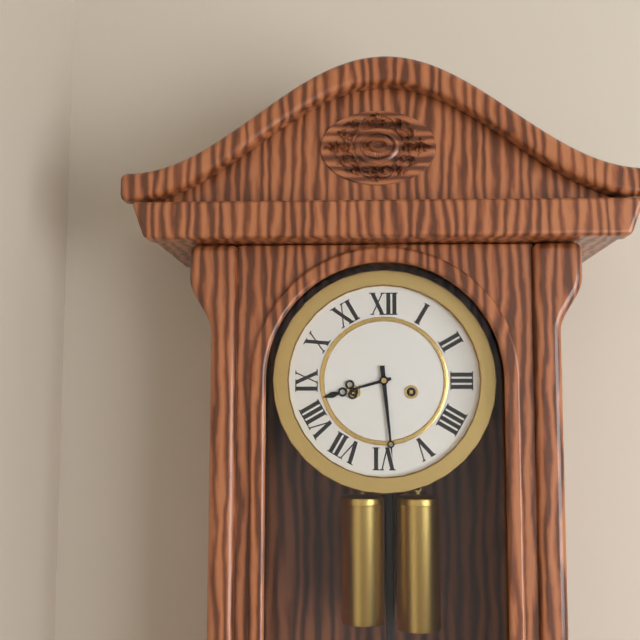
**8:29**
